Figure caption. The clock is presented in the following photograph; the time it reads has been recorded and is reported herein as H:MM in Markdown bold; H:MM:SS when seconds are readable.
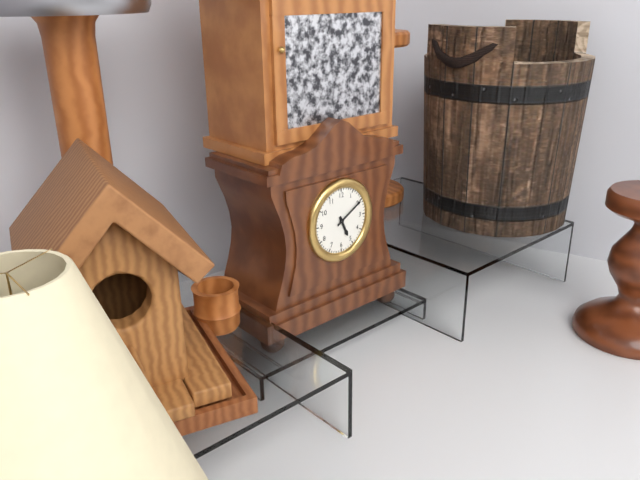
**5:10**
